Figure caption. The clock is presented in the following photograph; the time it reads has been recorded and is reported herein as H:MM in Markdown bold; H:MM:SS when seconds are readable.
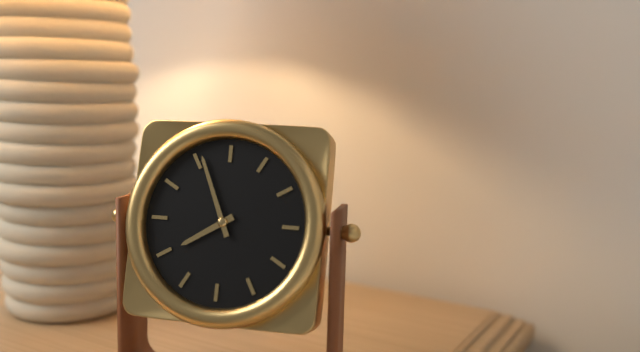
**7:56**
